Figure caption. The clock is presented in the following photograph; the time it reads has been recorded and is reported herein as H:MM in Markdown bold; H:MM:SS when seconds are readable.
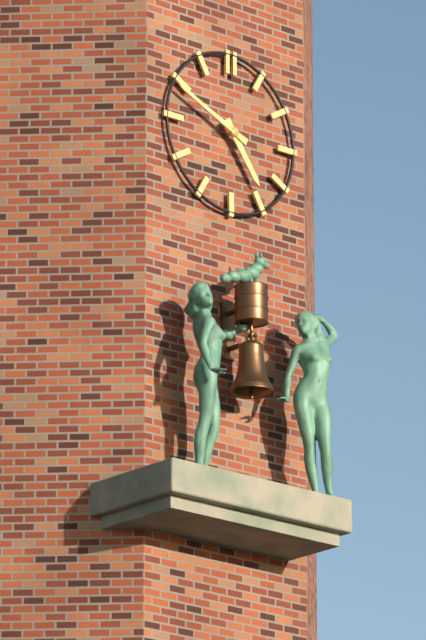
**4:49**
